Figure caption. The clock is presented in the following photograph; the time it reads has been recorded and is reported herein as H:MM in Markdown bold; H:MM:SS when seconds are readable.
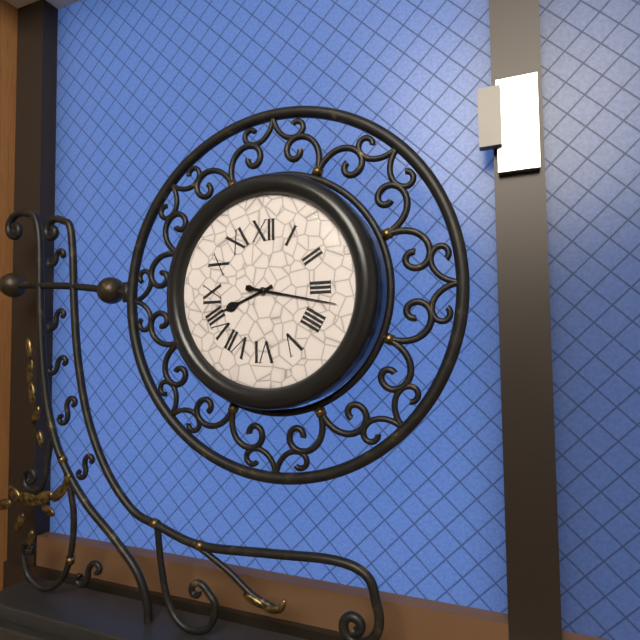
**8:17**
